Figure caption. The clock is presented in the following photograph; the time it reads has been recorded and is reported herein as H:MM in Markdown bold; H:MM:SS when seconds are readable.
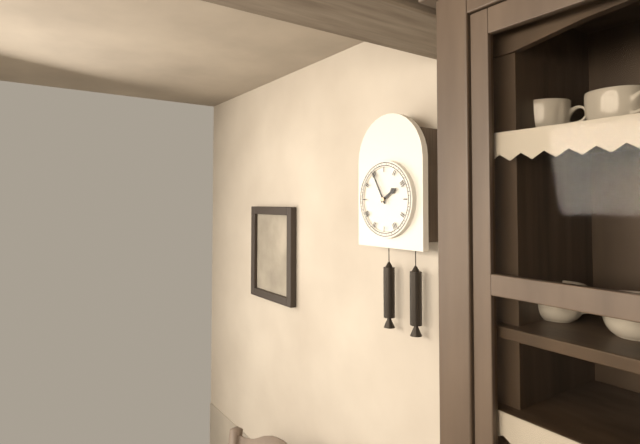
**1:55**
